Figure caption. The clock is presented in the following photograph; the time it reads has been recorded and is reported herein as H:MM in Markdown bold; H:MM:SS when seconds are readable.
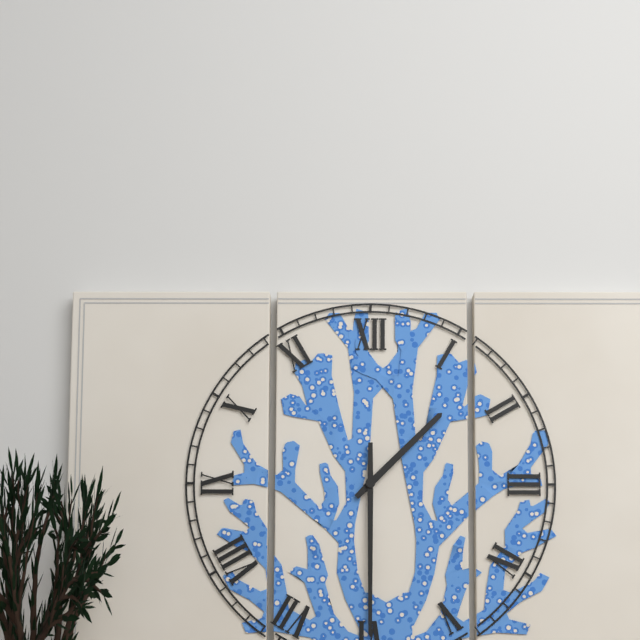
**1:30**
